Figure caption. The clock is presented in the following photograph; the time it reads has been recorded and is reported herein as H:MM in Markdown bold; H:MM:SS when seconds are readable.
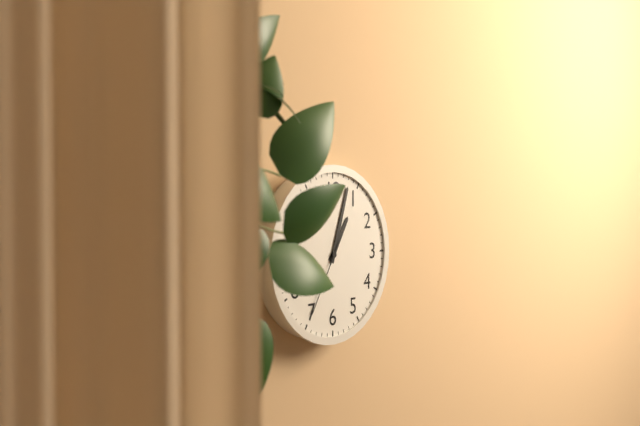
**1:03:35**
